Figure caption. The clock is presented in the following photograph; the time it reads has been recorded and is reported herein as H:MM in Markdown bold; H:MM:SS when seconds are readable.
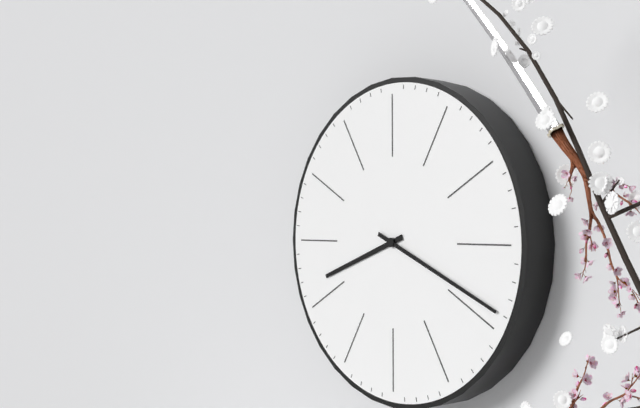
**8:19**
